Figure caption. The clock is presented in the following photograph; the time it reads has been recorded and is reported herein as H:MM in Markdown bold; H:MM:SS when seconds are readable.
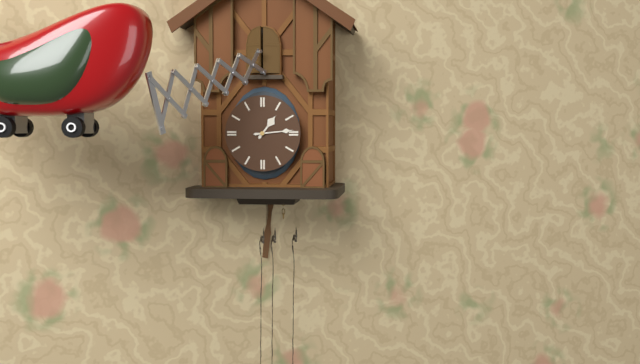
**1:14**
